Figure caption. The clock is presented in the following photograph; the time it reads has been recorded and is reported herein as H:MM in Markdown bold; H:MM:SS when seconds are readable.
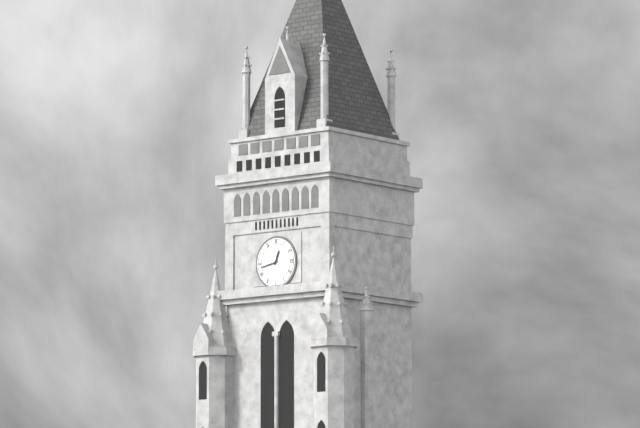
**12:43**
